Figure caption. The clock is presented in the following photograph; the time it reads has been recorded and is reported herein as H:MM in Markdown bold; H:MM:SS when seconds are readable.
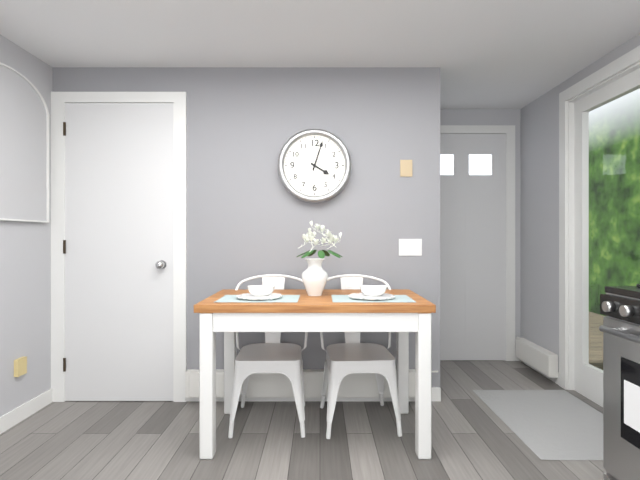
**4:03**
